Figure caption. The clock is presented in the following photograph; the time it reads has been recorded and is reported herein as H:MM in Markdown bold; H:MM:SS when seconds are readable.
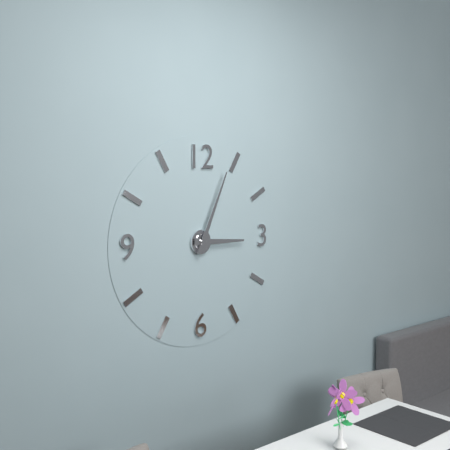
**3:04**
